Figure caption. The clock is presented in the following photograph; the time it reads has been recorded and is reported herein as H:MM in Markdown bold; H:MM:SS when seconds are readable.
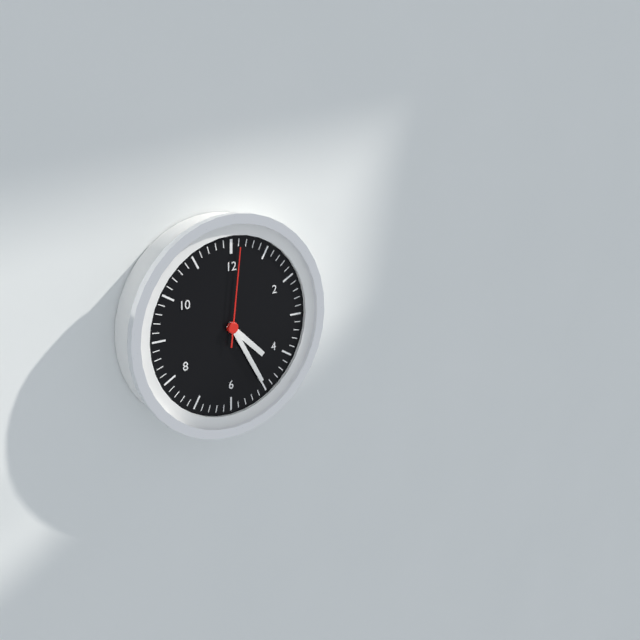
**4:25:01**
